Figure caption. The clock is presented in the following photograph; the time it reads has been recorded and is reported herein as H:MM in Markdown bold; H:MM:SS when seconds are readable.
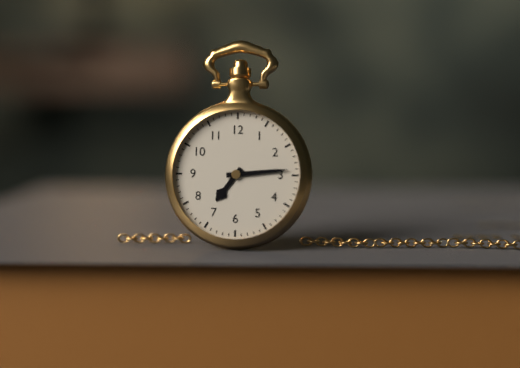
**7:14**
